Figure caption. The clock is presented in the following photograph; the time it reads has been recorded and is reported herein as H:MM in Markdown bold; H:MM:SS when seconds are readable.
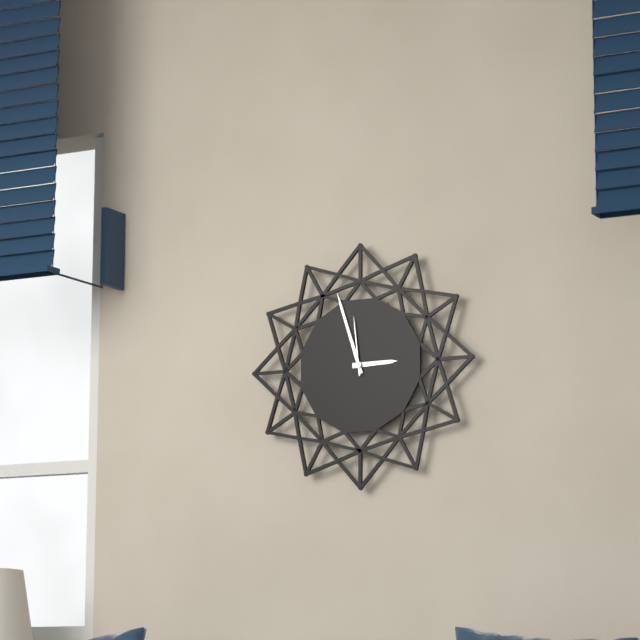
**2:57:59**
